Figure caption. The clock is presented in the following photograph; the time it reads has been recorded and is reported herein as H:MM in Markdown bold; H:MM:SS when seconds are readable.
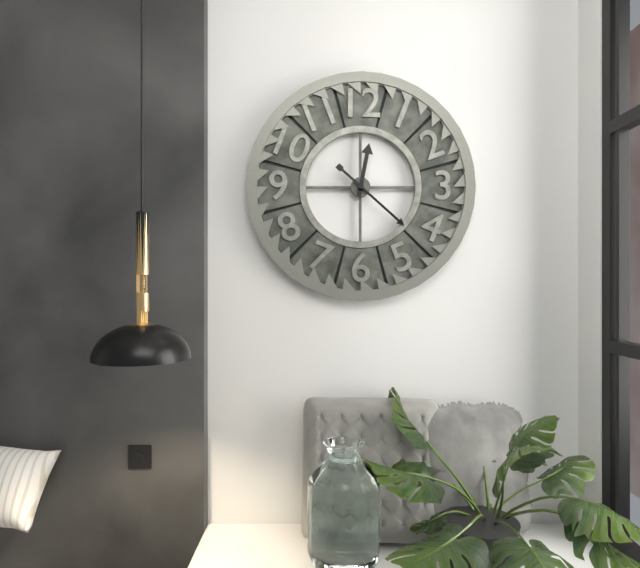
**12:22**
